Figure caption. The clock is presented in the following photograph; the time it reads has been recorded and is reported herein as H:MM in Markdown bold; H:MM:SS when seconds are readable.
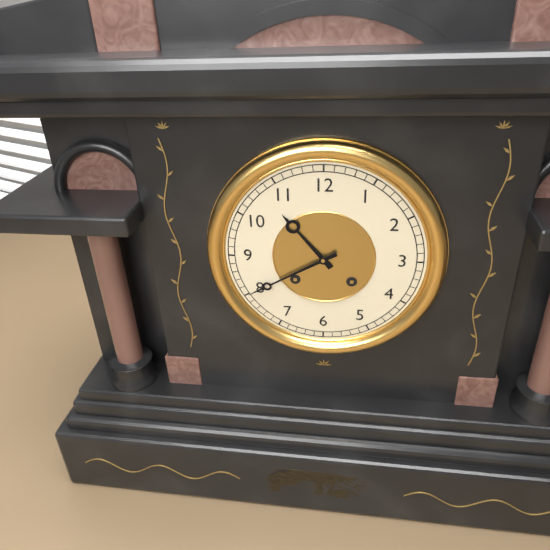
**10:40**
